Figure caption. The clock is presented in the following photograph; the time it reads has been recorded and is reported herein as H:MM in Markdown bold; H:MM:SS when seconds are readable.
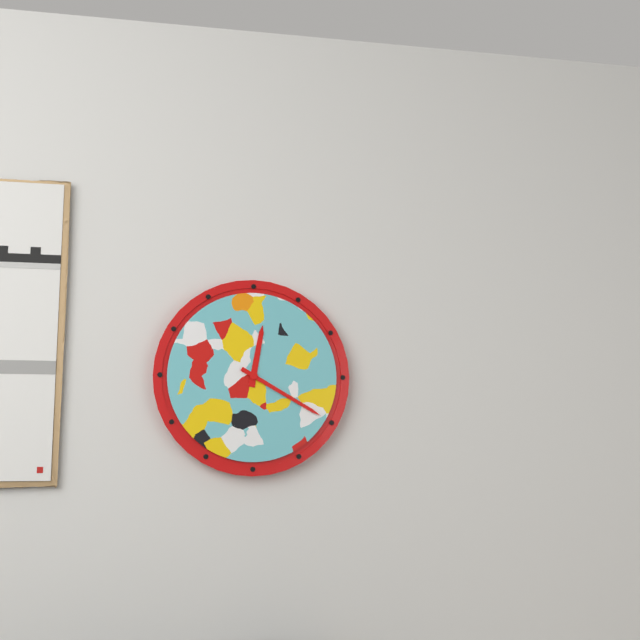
**12:20**
